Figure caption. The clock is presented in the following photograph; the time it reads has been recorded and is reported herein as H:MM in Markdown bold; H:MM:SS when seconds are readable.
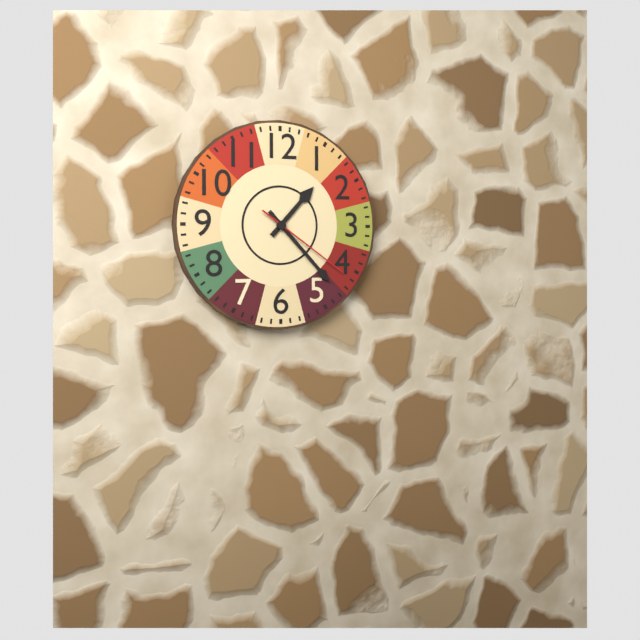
**1:23:21**
